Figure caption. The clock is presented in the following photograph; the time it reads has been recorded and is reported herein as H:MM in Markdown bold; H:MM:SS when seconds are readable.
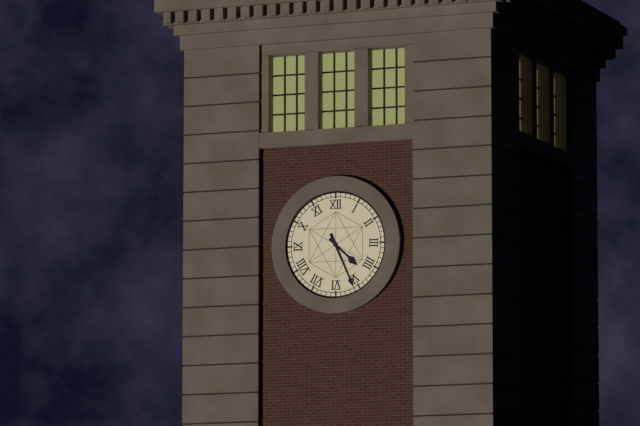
**4:26**
